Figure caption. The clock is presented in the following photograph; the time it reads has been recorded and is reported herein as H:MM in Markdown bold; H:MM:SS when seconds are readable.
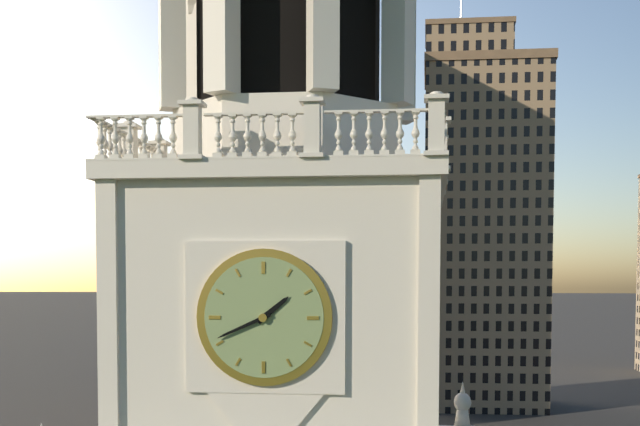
**1:41**
